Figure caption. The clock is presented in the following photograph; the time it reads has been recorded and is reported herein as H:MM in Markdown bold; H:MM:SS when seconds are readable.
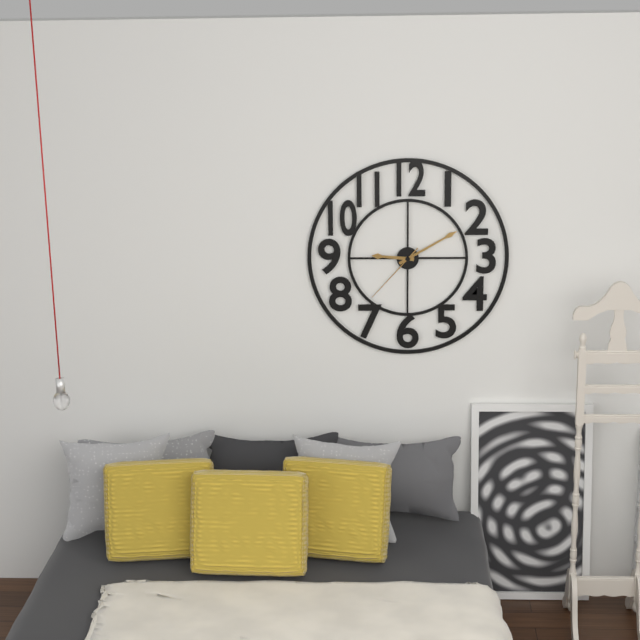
**9:10:37**
